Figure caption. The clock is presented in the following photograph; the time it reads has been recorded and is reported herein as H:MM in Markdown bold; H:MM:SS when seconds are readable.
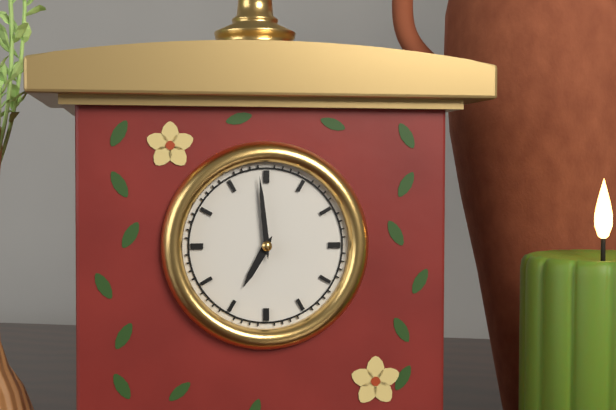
**6:59**
